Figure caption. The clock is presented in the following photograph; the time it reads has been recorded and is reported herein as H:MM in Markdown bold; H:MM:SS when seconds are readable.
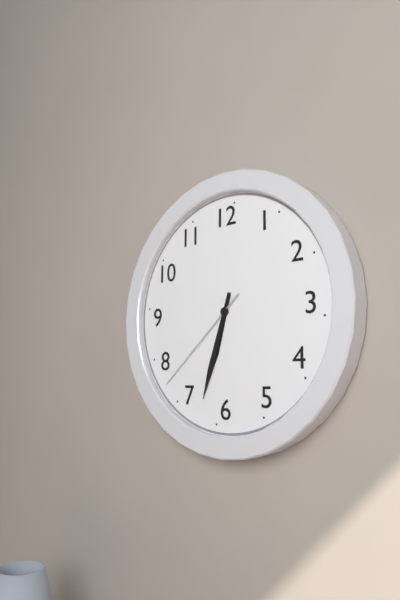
**6:33:38**
